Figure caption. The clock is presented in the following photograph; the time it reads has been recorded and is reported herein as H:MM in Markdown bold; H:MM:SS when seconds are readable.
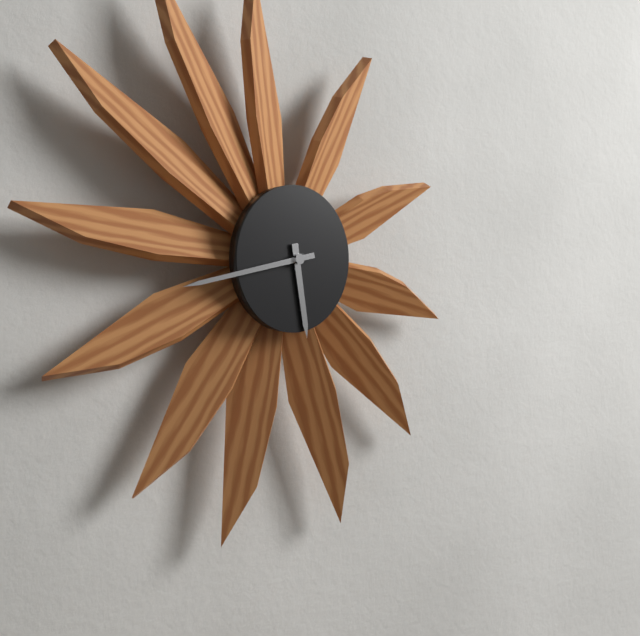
**5:43**
